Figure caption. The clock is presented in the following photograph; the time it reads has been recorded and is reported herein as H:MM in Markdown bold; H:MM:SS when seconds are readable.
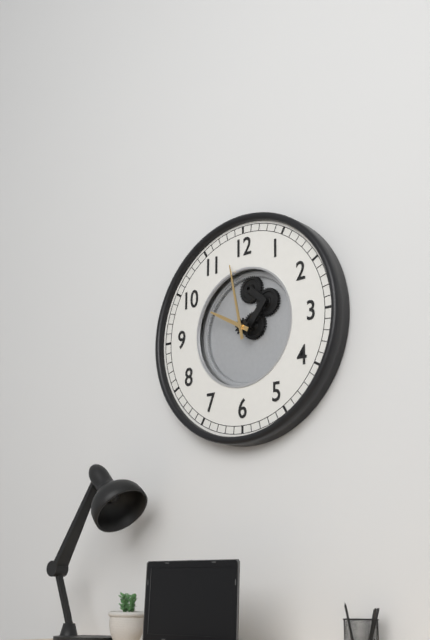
**9:58**
